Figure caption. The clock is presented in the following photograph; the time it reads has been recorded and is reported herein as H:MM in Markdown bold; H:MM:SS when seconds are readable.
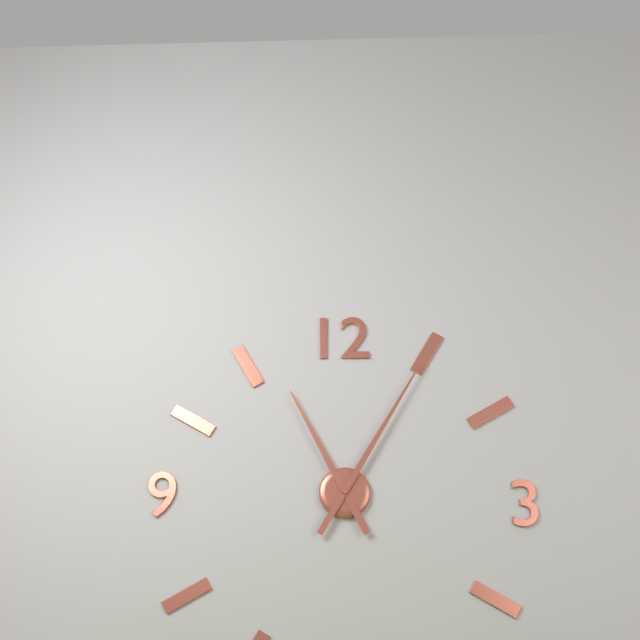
**11:05**
